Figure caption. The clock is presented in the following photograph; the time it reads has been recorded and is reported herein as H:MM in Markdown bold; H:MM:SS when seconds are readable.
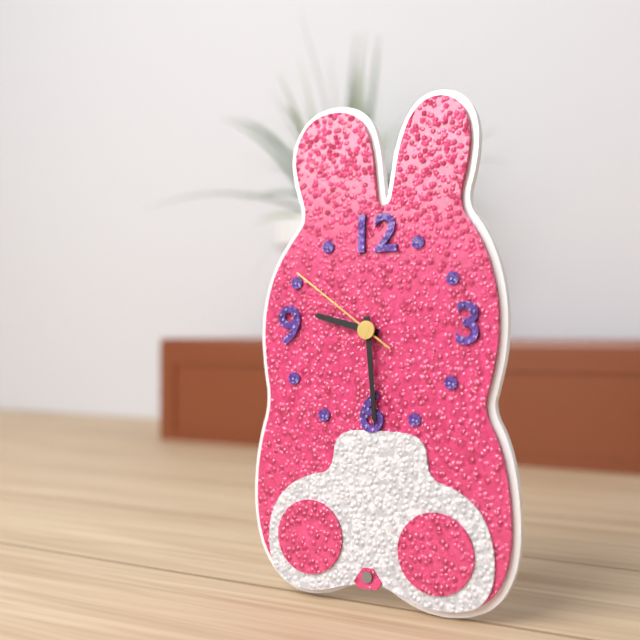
**9:29:51**
